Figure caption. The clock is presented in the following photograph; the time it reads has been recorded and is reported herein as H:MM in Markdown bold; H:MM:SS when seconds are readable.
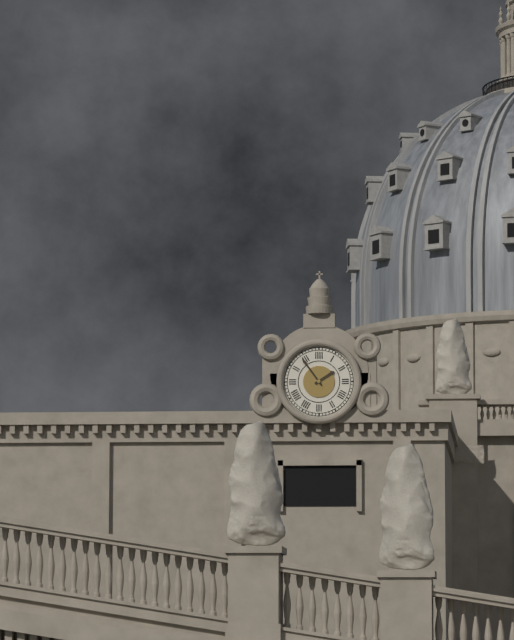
**1:54**
